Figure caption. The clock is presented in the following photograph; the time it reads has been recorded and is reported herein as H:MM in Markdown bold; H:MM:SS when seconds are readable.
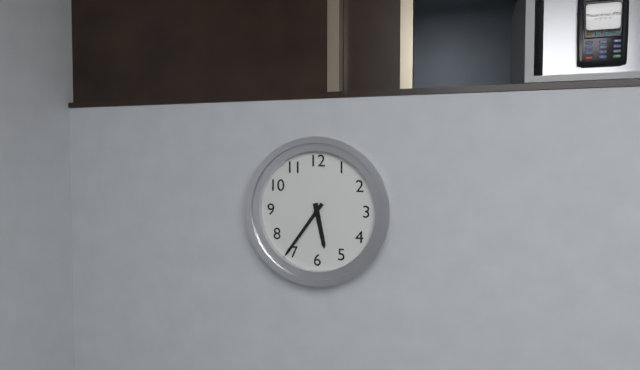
**5:36**
